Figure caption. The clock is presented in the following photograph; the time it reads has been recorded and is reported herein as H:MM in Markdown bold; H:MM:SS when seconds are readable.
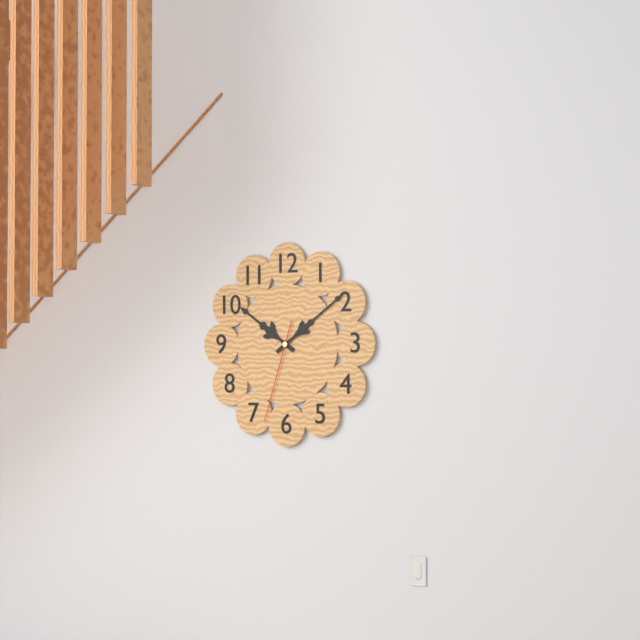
**10:09:33**
